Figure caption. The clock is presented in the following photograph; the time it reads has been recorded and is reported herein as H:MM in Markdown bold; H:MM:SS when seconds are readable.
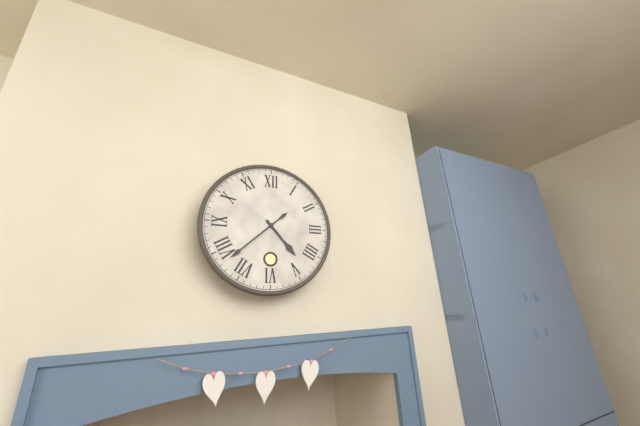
**4:38**
